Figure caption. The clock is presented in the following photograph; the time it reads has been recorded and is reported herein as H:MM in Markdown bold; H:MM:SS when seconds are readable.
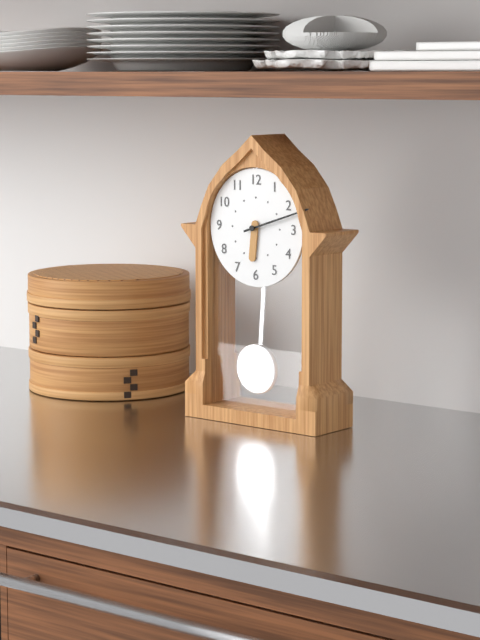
**6:12**
